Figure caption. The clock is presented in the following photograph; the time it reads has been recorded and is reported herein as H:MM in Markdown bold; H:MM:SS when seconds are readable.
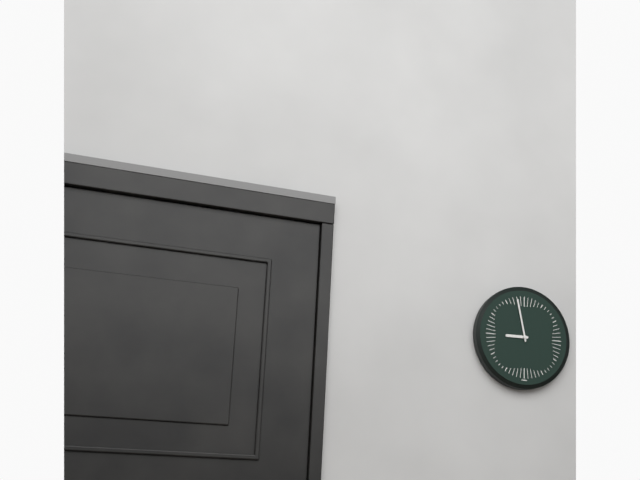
**8:58**
